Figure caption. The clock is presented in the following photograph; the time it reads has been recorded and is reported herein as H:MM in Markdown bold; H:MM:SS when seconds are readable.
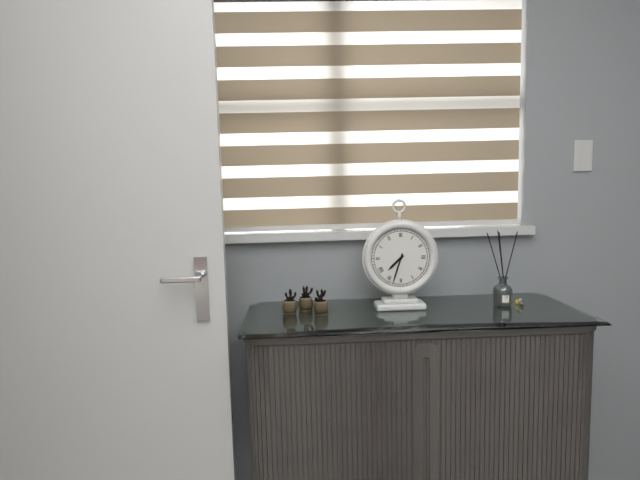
**7:33**
